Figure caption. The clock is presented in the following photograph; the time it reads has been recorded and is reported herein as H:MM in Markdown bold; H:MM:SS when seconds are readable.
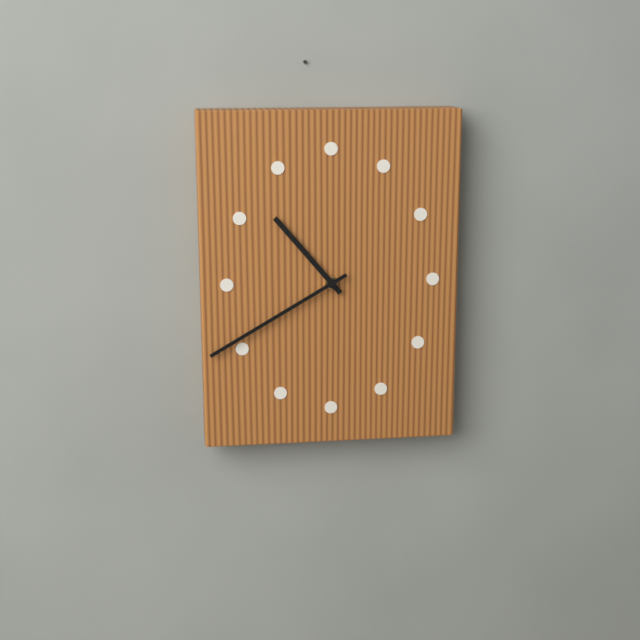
**10:40**
